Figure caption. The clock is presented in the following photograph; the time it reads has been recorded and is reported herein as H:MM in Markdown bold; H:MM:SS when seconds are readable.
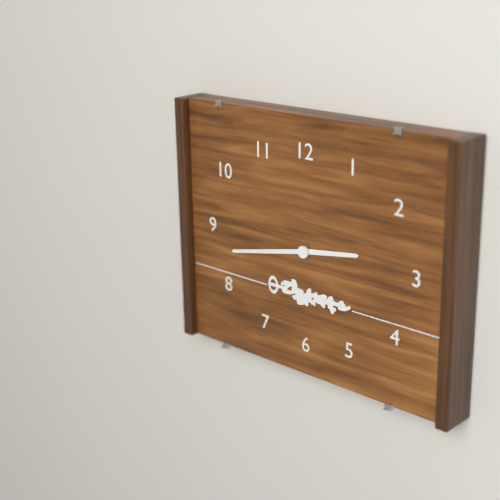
**2:43**
